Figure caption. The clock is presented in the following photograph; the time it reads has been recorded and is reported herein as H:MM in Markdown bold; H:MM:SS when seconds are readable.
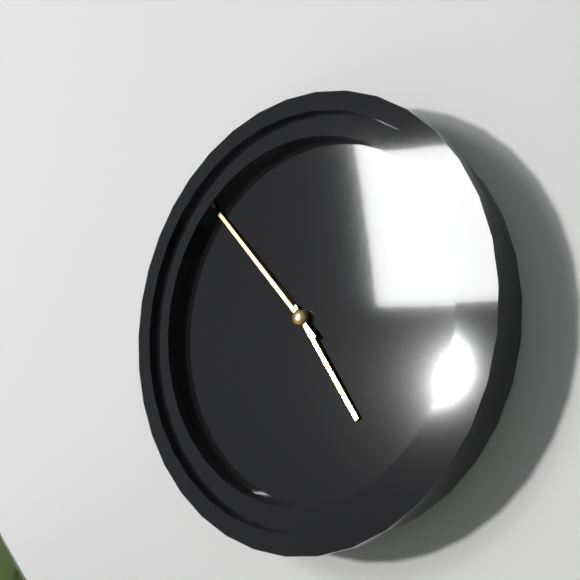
**4:53**
